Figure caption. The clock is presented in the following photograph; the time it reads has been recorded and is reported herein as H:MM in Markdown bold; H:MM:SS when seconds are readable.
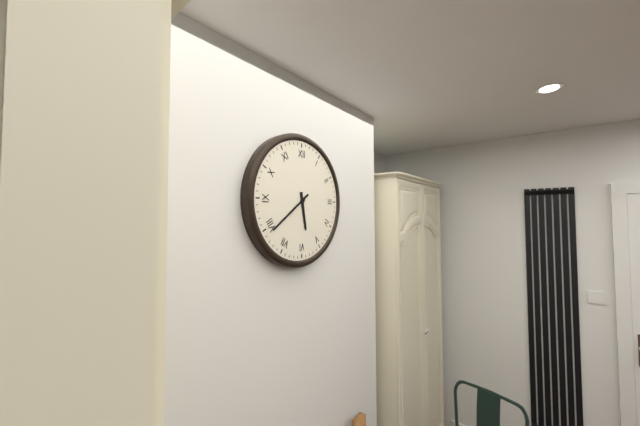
**5:39**
